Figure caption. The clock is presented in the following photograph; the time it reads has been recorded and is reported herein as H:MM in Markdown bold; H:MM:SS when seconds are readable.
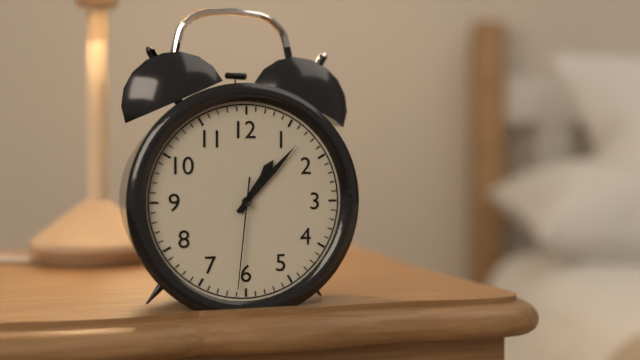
**1:07:31**
